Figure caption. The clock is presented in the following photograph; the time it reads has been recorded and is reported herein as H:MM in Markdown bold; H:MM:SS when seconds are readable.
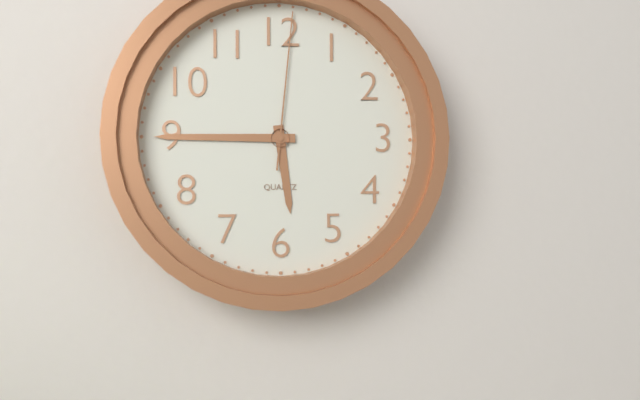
**5:45:01**
